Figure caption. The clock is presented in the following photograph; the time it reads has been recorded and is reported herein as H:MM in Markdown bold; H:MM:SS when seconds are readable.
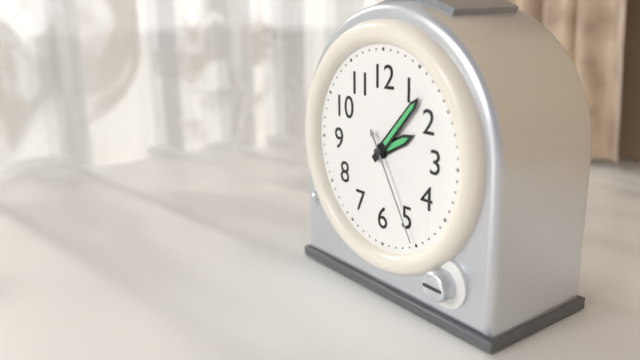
**2:07:25**
